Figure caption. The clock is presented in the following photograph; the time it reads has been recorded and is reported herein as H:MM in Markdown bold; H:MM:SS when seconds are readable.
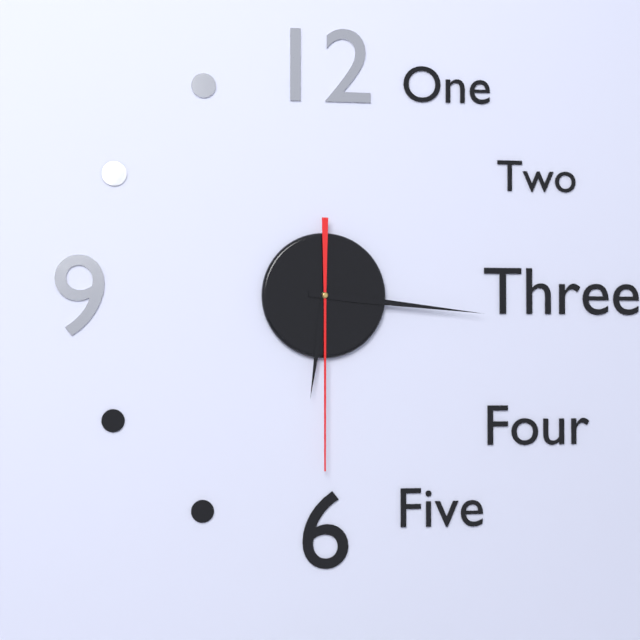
**6:16:30**
